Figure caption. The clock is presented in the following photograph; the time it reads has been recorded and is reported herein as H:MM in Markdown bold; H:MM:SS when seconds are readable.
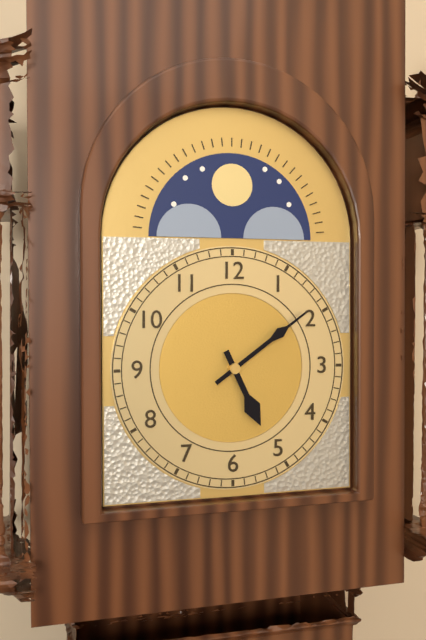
**5:09**
